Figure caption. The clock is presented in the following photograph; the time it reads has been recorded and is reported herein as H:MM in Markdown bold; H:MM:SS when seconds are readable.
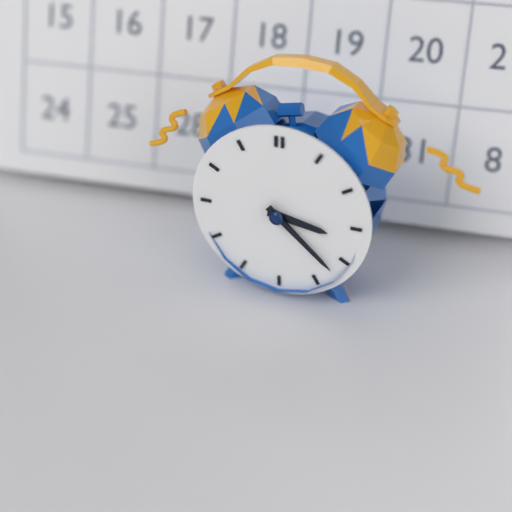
**3:22**
